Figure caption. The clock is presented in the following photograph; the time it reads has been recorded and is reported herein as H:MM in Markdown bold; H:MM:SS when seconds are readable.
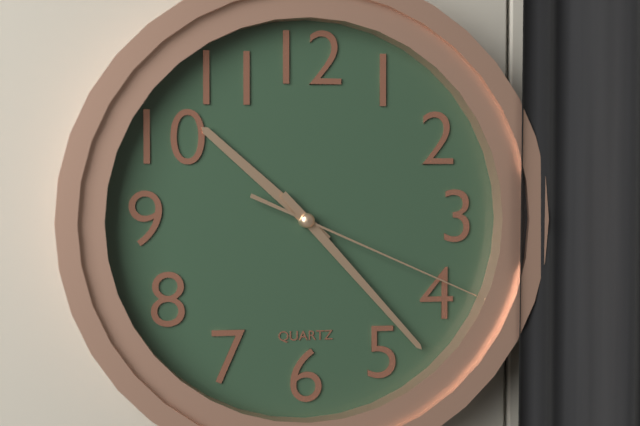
**10:23:19**
